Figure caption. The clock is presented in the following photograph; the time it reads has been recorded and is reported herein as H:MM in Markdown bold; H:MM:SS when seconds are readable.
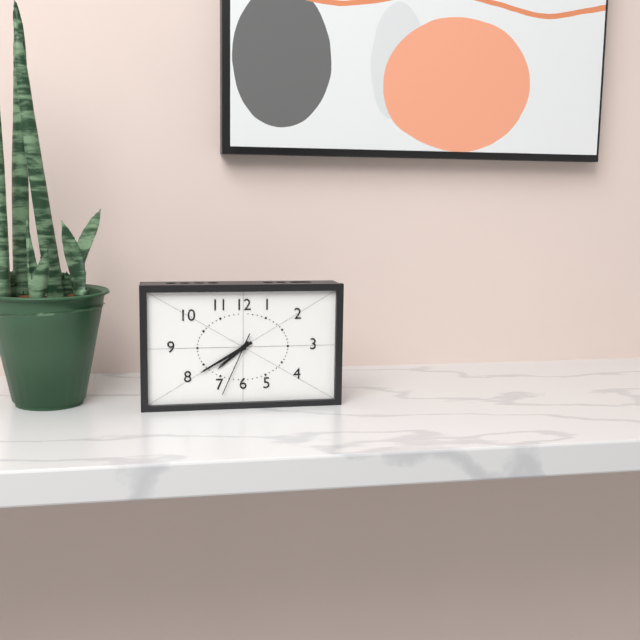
**7:40:34**
